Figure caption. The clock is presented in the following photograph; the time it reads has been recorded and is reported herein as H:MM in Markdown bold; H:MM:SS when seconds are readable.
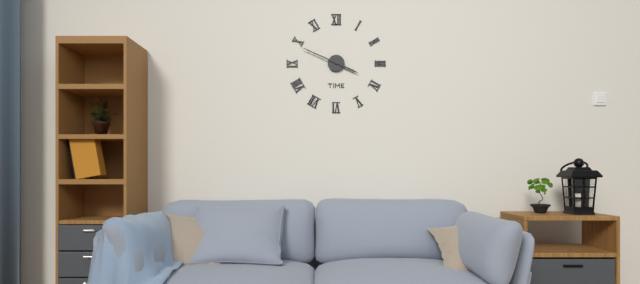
**3:49**
